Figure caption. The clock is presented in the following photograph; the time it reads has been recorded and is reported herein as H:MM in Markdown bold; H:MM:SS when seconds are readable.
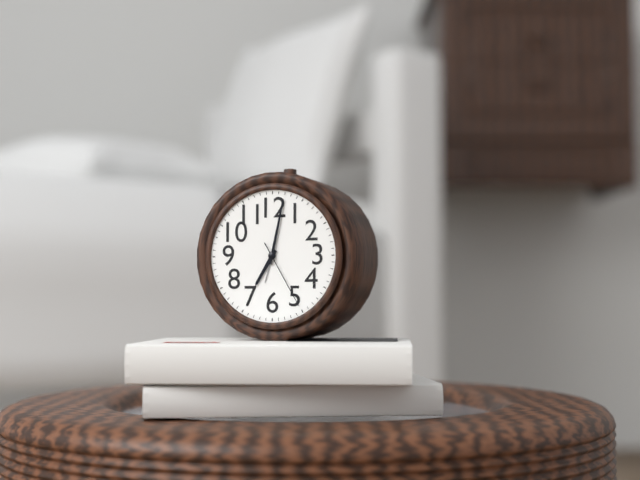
**7:02:25**
